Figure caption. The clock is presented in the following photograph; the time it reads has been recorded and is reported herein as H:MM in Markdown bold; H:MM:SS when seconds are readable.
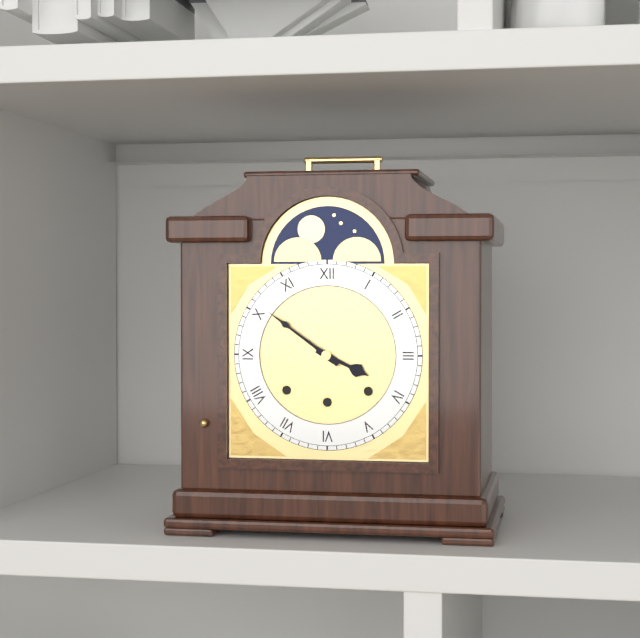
**3:51**
